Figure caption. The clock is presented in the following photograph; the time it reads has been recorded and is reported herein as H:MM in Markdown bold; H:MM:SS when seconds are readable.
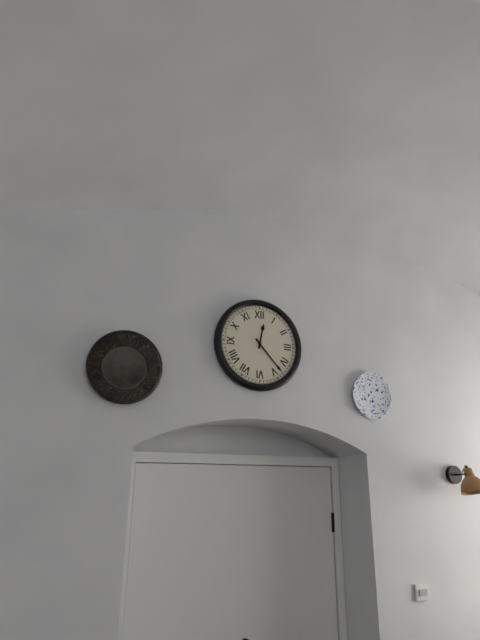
**12:23**
